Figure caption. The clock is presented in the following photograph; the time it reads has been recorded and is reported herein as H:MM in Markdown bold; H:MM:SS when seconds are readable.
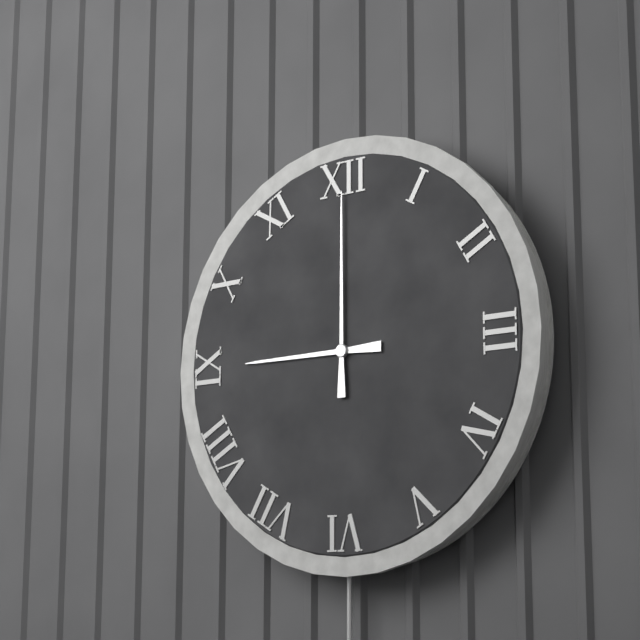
**9:00**
